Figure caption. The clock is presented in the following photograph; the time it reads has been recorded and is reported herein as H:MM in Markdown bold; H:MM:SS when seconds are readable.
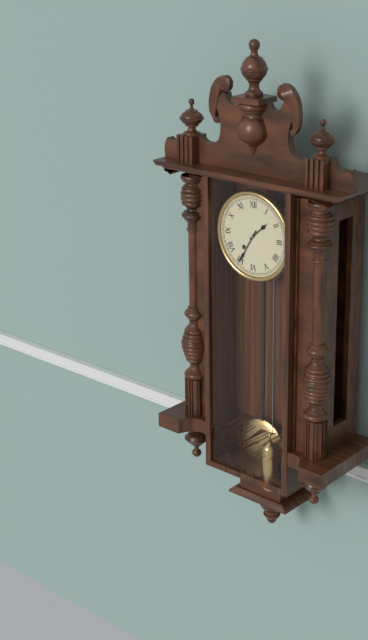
**1:35**
